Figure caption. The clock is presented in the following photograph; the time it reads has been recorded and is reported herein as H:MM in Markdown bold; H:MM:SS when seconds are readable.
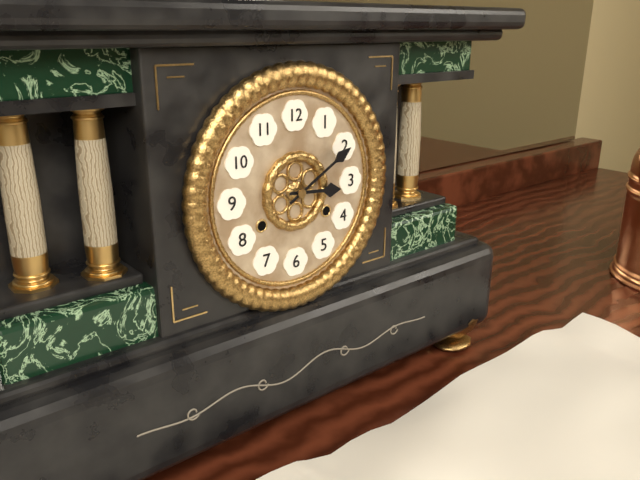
**3:10**
